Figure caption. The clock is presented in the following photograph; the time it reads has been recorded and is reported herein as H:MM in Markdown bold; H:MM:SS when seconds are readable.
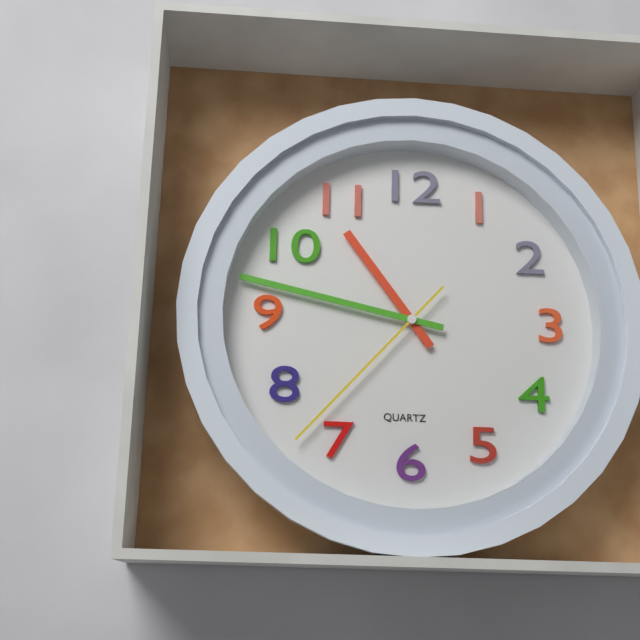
**10:47:37**
